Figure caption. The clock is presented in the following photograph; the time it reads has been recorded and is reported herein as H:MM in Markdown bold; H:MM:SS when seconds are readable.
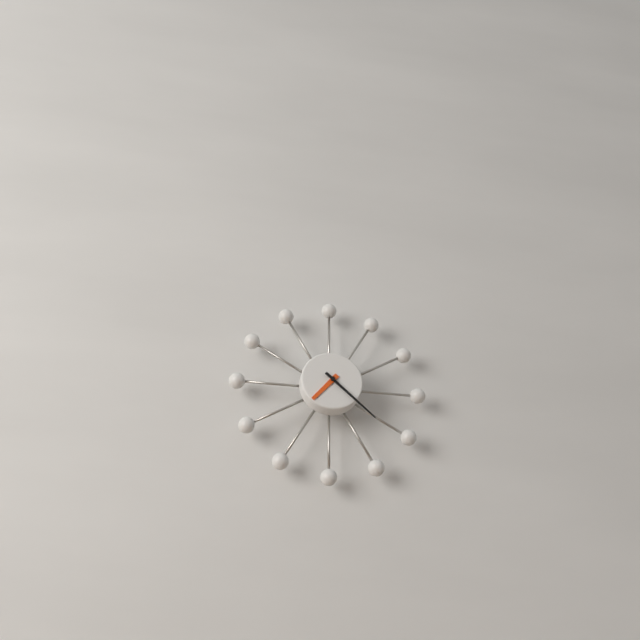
**7:22**
